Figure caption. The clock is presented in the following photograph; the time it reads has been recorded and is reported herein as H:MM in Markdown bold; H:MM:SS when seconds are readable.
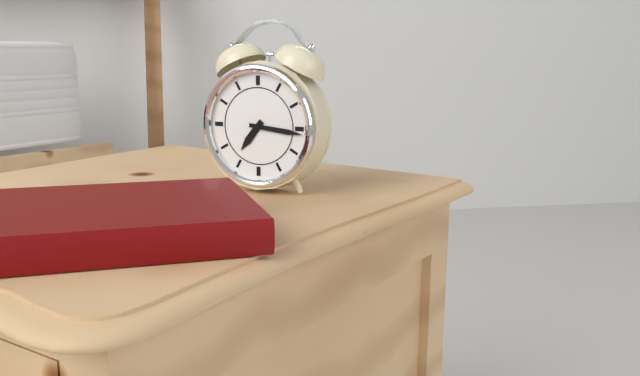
**7:16**
